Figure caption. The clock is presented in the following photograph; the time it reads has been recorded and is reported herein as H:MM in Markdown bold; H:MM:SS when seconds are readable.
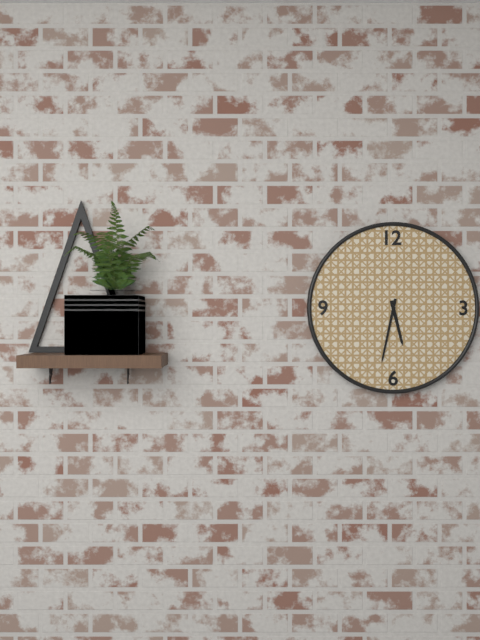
**5:32**
